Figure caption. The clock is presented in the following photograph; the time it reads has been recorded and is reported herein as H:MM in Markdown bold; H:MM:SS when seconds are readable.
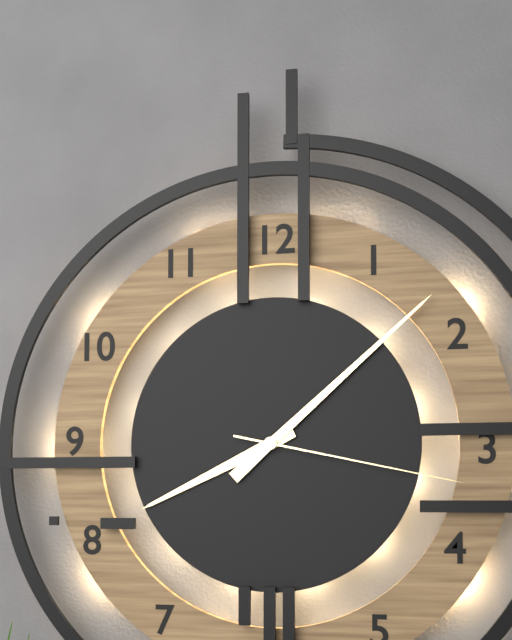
**8:08:17**
